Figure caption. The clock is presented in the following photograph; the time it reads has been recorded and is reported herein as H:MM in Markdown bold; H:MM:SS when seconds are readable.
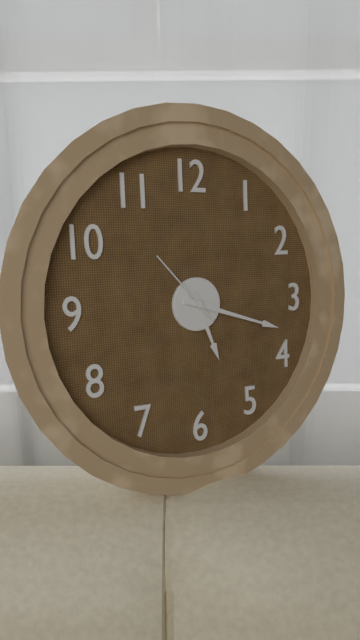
**5:18:53**
